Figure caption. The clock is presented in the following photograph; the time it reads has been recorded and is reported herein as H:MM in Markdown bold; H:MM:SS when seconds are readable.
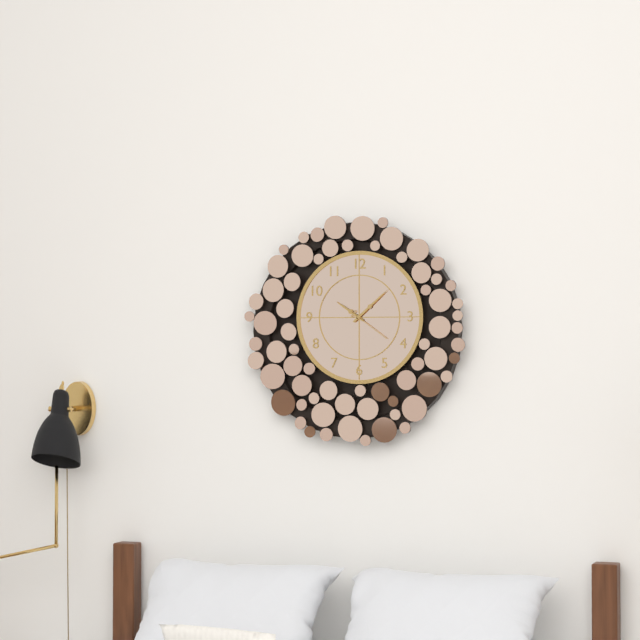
**10:08**
